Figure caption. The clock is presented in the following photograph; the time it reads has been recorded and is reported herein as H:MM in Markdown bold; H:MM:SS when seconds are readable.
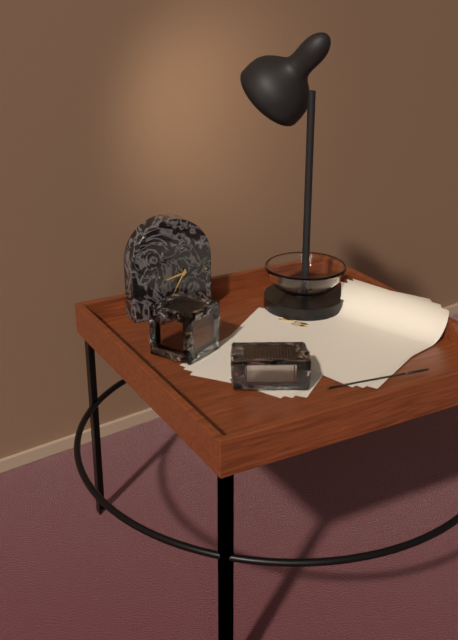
**8:35**
